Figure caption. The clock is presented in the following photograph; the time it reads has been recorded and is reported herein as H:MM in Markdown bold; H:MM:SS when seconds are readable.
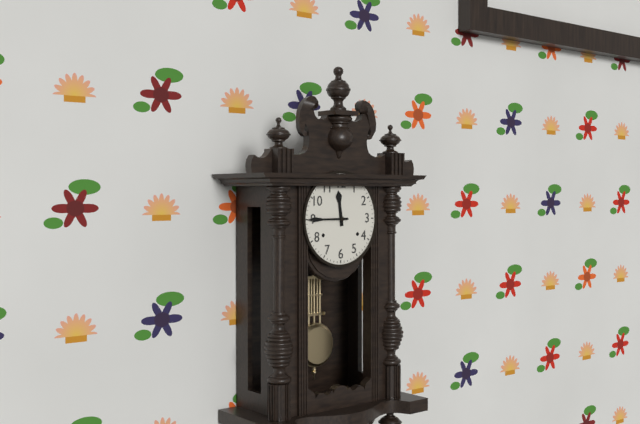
**11:45**
